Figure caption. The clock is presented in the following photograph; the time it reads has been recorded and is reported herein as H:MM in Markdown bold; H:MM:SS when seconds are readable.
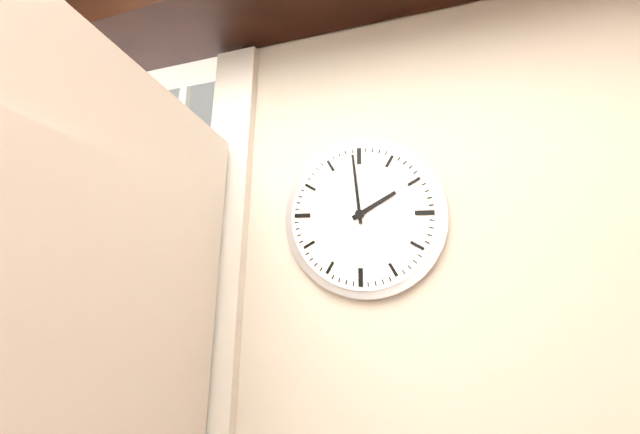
**1:59**
